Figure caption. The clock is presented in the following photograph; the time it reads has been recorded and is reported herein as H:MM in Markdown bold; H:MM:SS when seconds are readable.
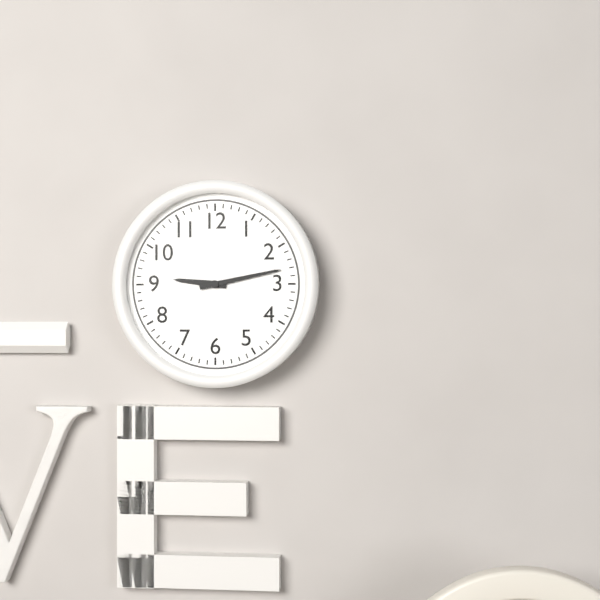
**9:13**
